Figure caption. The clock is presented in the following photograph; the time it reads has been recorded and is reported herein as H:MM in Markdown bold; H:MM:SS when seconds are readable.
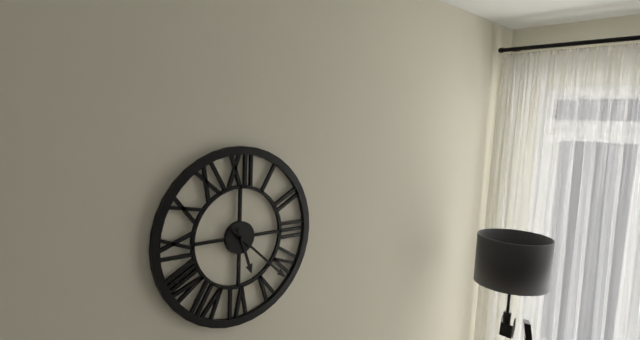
**5:22**
